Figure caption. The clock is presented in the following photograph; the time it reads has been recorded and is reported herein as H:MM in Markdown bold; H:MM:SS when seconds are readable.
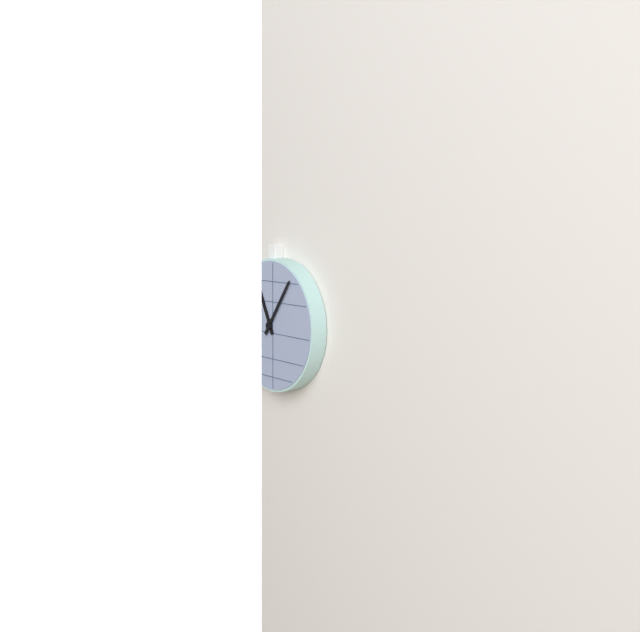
**11:06**
